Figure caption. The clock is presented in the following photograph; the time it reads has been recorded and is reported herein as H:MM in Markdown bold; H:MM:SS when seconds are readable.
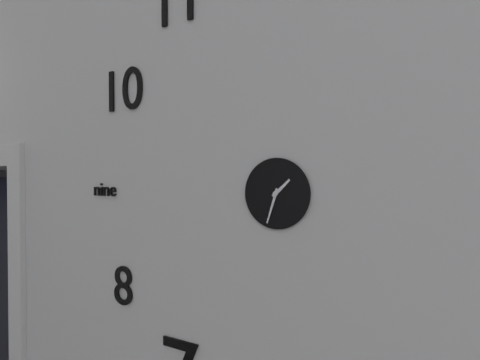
**1:33**
